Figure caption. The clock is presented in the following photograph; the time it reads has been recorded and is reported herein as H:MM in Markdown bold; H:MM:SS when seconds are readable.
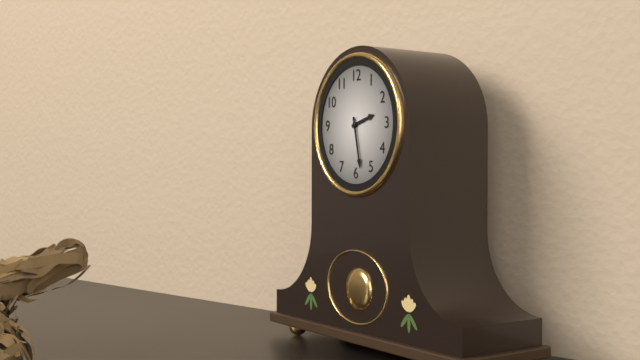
**2:28**
